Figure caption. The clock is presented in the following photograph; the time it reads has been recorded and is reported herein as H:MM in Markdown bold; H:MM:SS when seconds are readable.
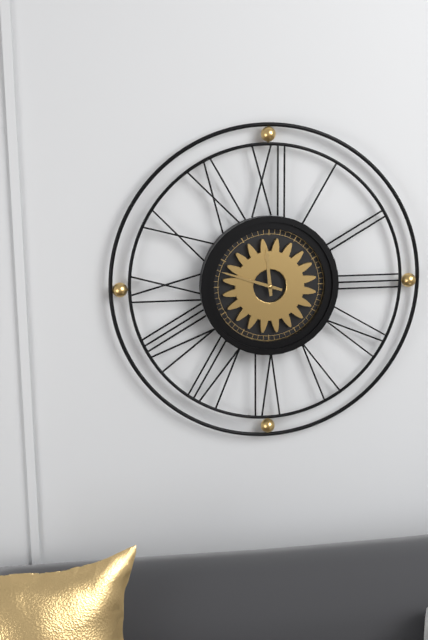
**11:48**
